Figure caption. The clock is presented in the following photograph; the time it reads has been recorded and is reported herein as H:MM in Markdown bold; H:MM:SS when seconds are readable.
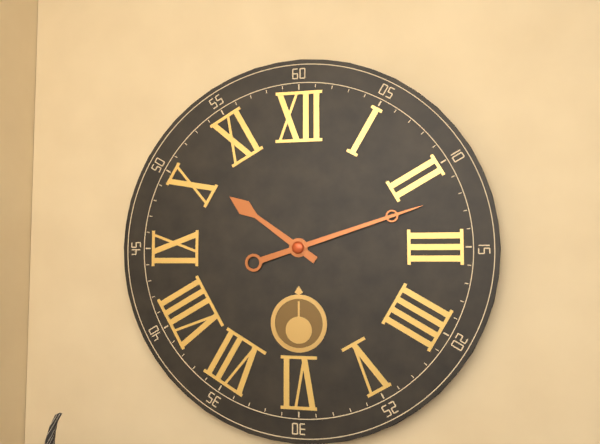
**10:12**
